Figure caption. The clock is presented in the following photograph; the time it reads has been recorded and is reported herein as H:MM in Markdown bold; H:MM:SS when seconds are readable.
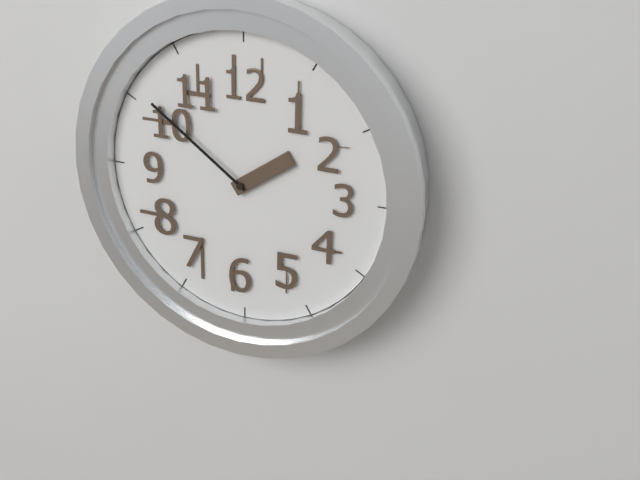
**1:51**
